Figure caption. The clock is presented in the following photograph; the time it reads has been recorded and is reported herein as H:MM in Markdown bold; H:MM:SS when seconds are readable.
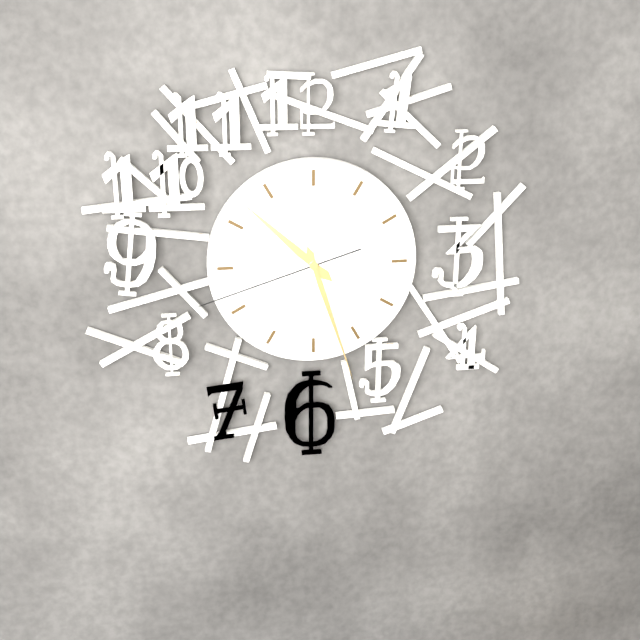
**10:27:42**
